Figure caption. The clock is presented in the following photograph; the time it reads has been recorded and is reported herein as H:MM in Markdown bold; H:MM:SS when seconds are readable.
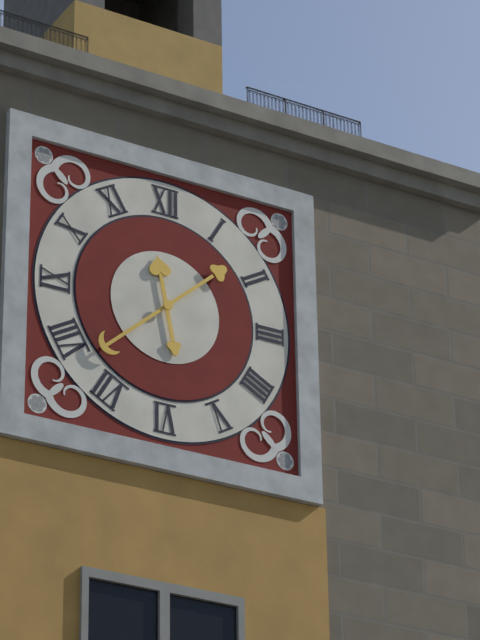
**11:38**
